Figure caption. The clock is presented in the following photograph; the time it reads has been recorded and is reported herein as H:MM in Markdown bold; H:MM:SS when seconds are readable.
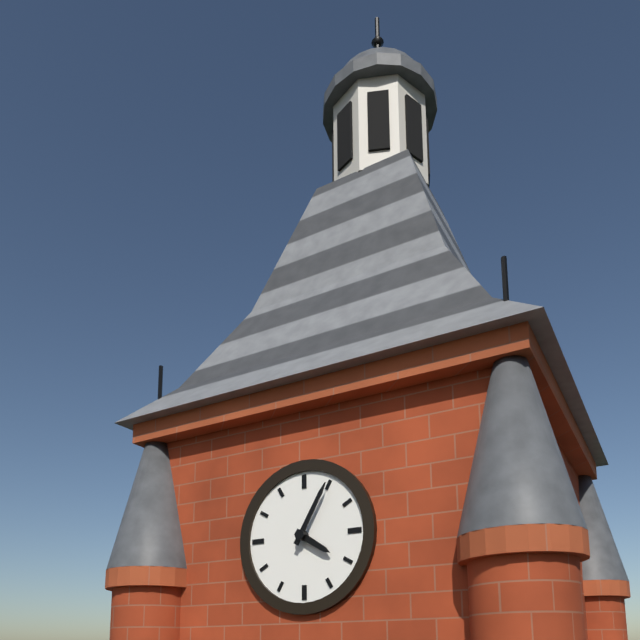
**4:05**
